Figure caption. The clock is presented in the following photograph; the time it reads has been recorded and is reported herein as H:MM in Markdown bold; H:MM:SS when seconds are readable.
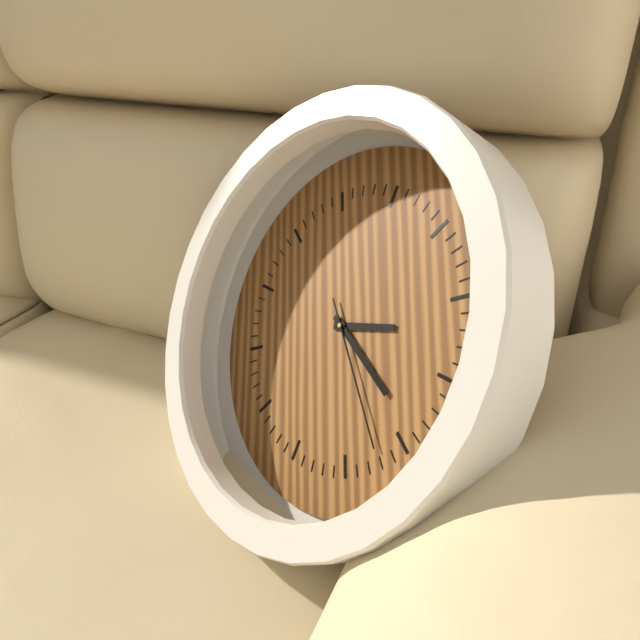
**3:24:27**
